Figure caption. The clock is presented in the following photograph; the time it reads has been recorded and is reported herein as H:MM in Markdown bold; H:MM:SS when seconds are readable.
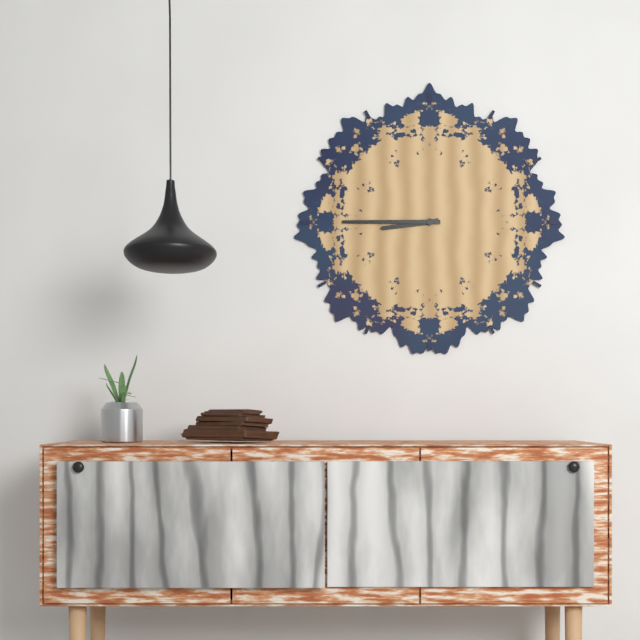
**8:45**
